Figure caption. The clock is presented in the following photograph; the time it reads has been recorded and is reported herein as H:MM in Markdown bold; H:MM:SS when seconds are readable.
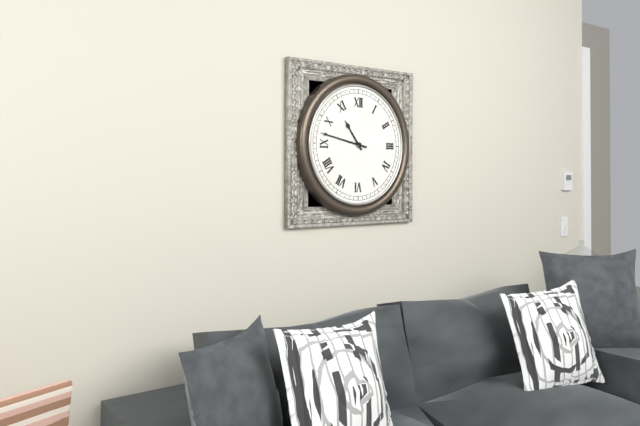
**10:47**
